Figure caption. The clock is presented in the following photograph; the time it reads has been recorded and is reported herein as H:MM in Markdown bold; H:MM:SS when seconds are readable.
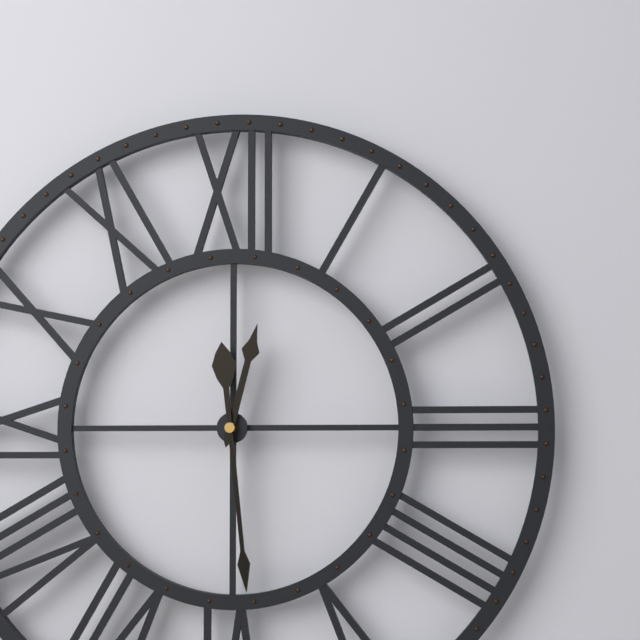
**12:29**
